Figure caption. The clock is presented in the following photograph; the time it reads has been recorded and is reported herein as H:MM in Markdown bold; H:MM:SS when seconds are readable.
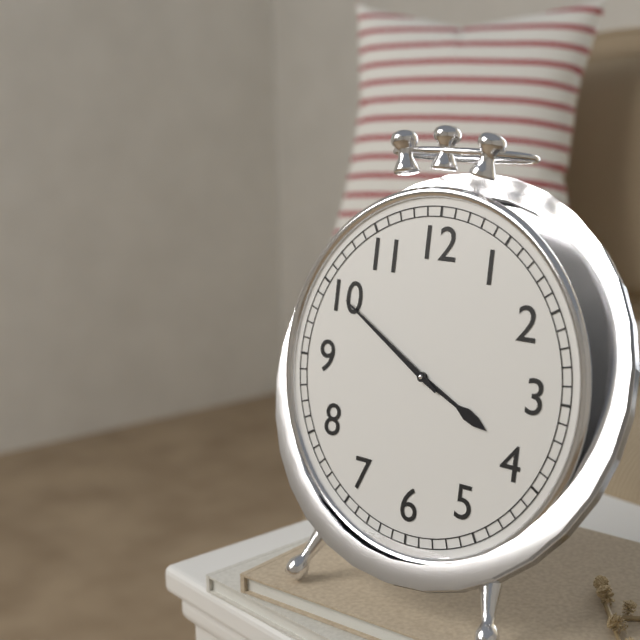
**3:50**
